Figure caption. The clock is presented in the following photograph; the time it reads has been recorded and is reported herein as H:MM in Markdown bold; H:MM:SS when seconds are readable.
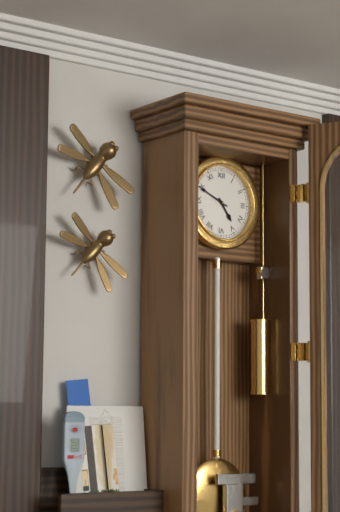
**4:49**
